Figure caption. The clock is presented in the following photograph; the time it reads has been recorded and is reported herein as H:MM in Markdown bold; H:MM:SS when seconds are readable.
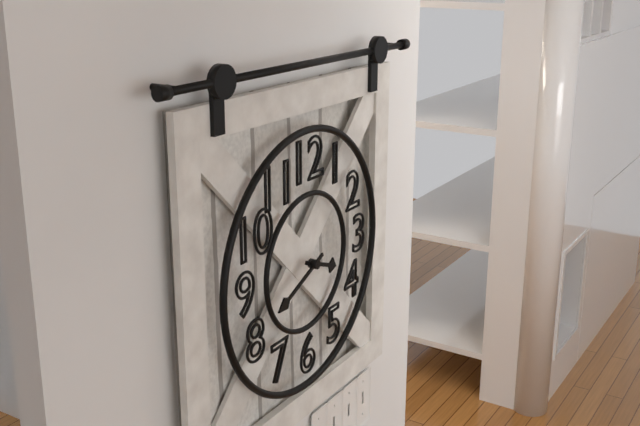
**3:41**
